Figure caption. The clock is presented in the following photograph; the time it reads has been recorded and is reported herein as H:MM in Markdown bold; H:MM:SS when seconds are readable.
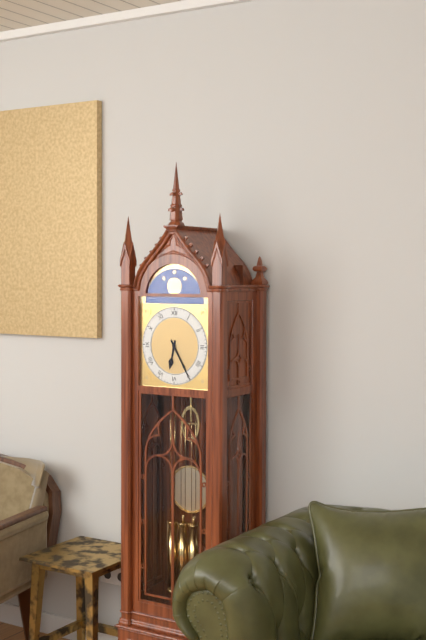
**6:25**
